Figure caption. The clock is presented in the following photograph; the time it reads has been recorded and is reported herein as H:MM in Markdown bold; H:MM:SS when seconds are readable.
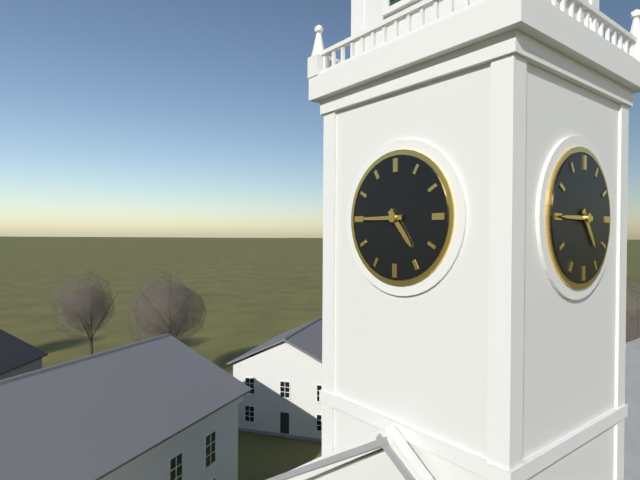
**4:45**
